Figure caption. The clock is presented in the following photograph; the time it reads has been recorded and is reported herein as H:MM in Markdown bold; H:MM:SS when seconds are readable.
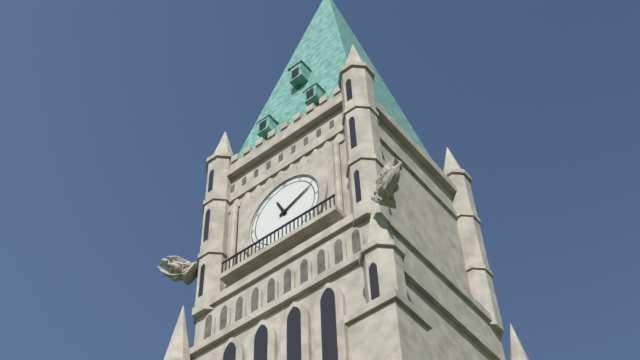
**11:11**
